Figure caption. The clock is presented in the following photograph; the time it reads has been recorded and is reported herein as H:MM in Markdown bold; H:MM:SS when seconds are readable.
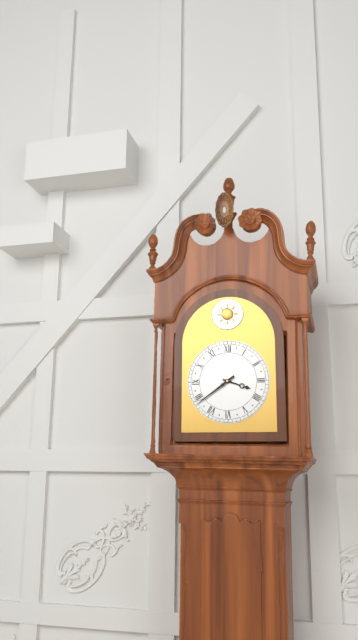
**3:39**
